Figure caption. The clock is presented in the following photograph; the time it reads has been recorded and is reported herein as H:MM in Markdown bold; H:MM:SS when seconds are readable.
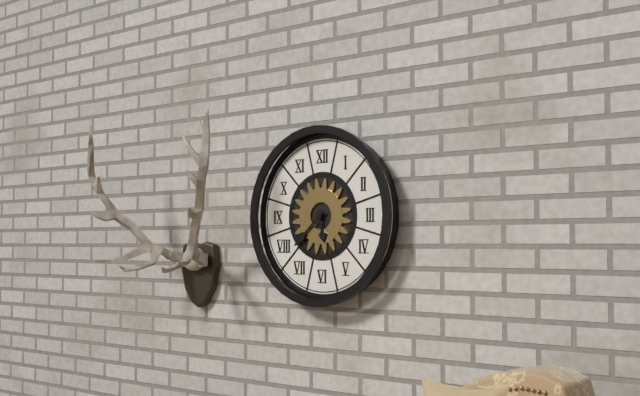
**5:38**
